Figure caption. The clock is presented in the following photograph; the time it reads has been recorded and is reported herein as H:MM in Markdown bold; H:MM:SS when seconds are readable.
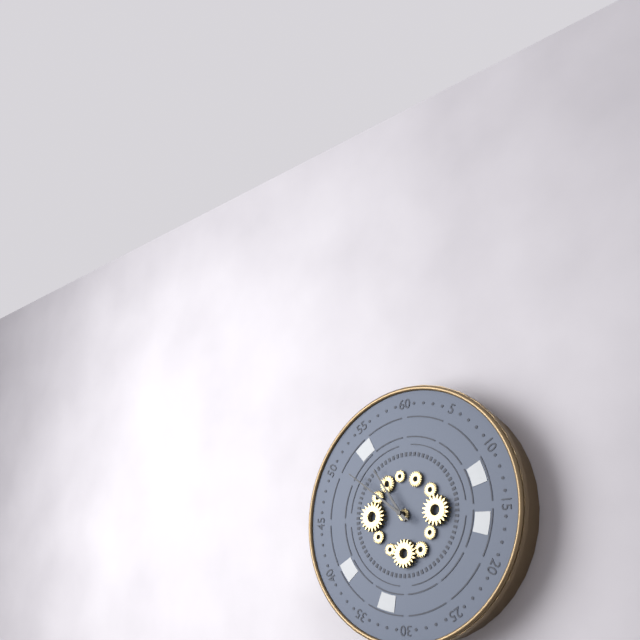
**10:51**
